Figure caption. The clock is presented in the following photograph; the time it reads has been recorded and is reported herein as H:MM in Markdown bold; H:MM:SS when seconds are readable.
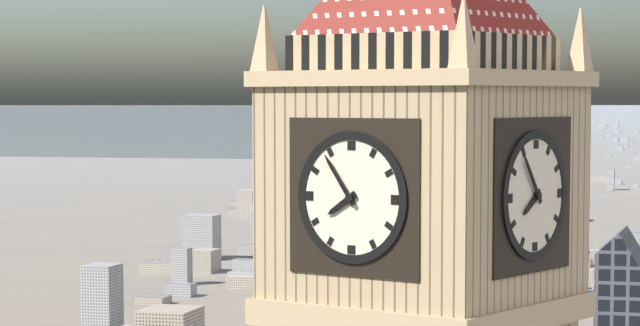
**7:54**
